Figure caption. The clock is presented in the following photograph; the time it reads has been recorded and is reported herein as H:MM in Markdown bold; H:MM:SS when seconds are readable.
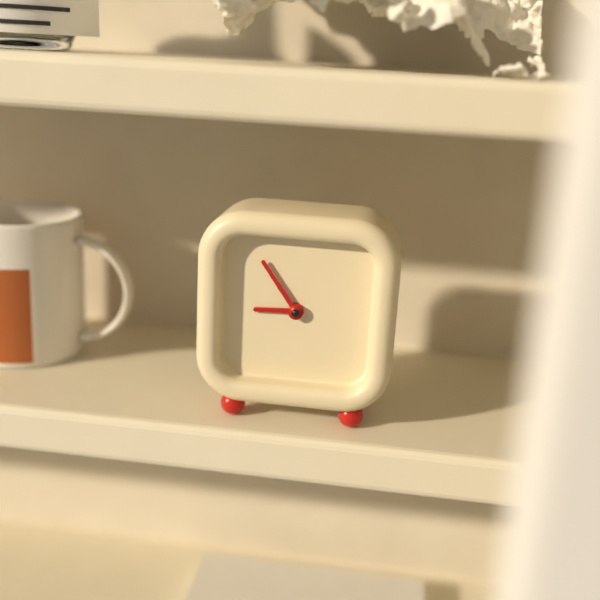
**8:54**
